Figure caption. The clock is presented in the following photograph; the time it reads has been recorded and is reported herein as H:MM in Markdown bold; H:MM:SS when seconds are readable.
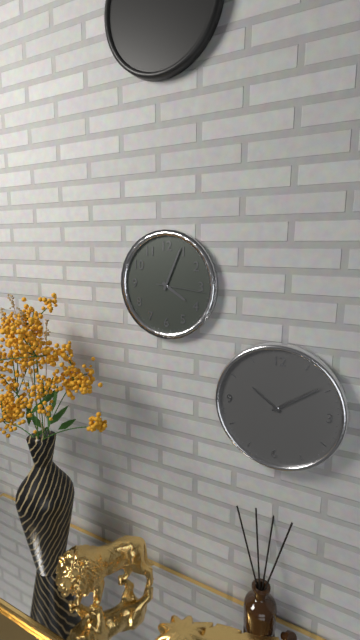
**4:04**
